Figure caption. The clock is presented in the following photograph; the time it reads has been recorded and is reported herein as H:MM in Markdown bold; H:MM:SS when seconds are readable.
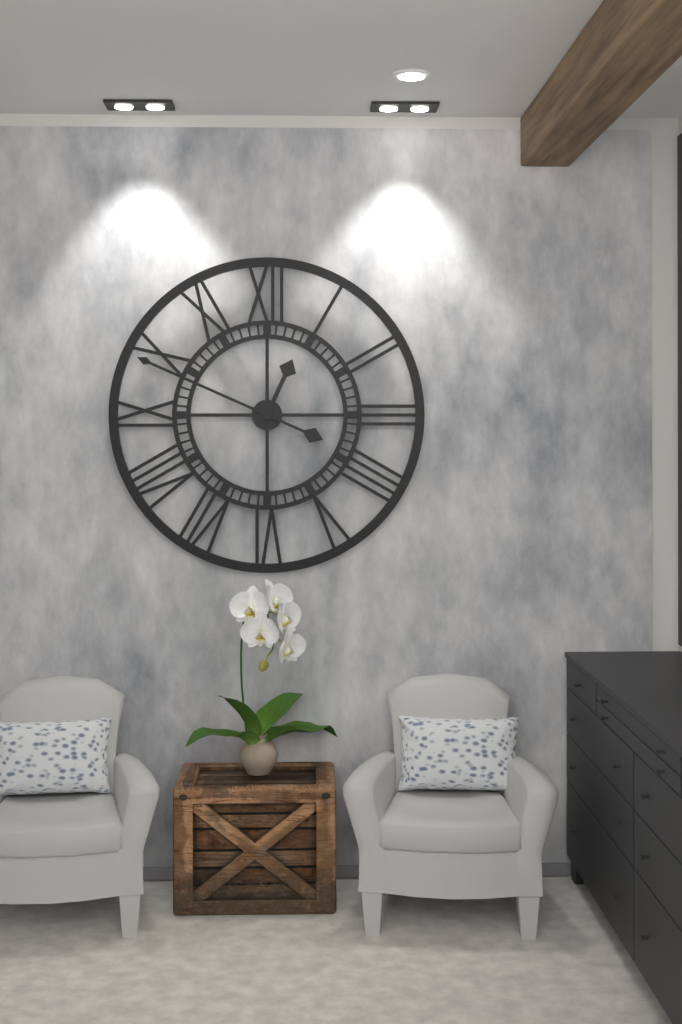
**12:49**
